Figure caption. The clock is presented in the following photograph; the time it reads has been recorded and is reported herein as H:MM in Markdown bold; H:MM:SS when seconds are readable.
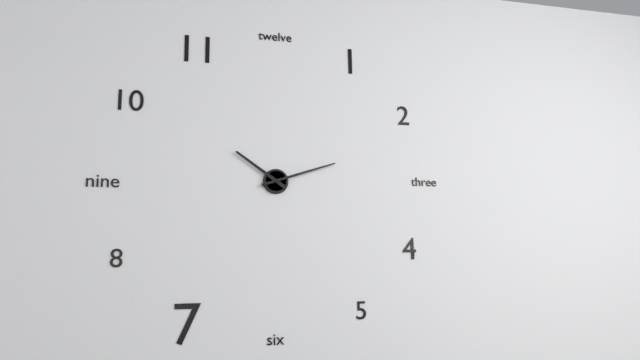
**10:12**
